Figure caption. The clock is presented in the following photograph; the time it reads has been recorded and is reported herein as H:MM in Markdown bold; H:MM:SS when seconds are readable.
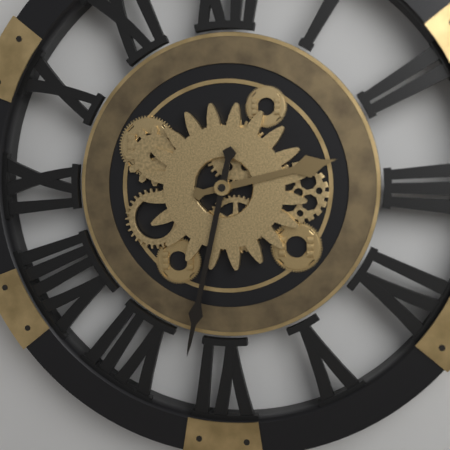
**2:32**
